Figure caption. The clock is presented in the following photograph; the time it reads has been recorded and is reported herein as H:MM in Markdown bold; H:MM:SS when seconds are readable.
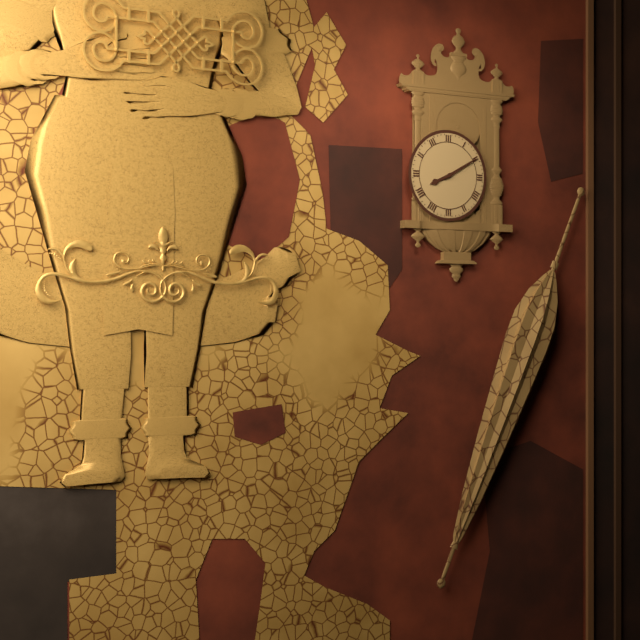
**8:10**
